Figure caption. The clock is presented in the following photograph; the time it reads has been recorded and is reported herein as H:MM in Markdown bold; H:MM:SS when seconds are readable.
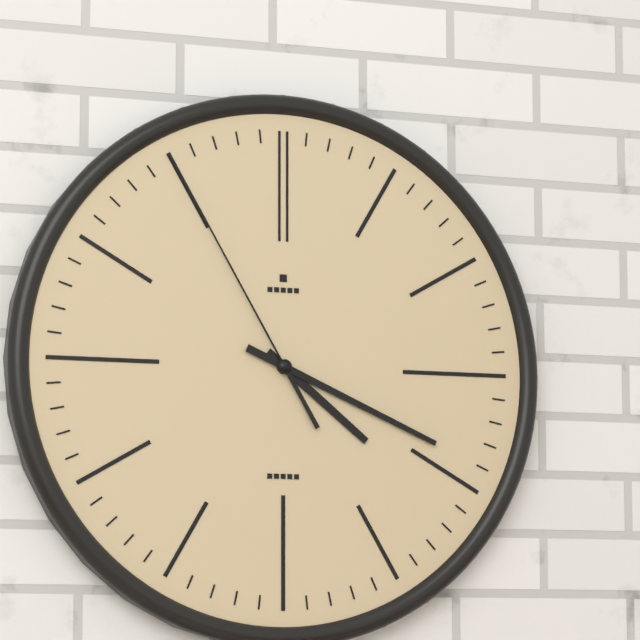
**4:19:55**
